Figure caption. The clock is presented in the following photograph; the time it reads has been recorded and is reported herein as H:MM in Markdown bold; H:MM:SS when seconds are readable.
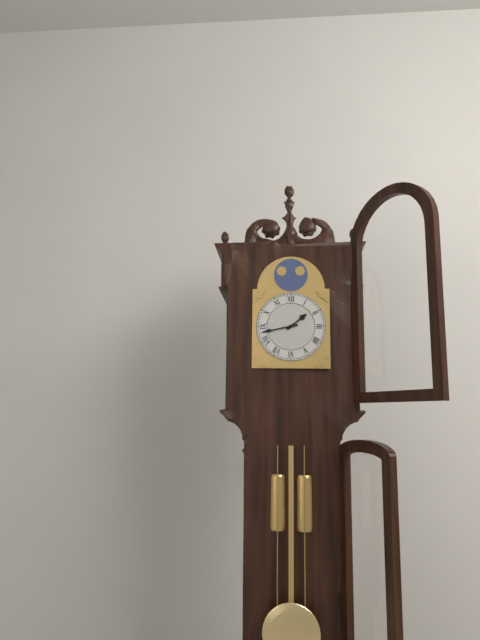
**1:43**
